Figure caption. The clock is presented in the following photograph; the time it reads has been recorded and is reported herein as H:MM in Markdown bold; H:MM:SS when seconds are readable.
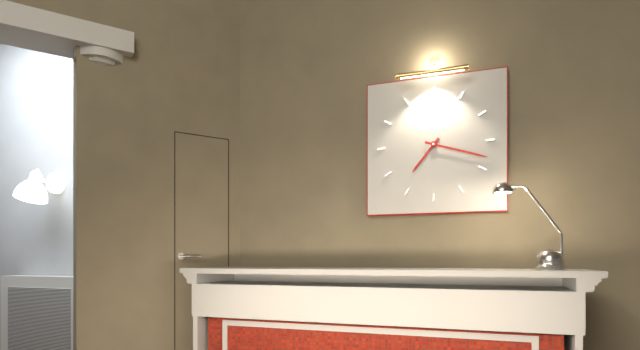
**7:18**
